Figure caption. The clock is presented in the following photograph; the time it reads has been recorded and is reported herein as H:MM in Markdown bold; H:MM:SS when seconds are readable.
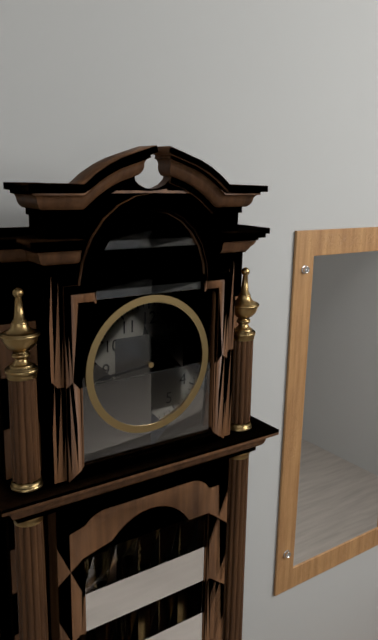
**11:44**
